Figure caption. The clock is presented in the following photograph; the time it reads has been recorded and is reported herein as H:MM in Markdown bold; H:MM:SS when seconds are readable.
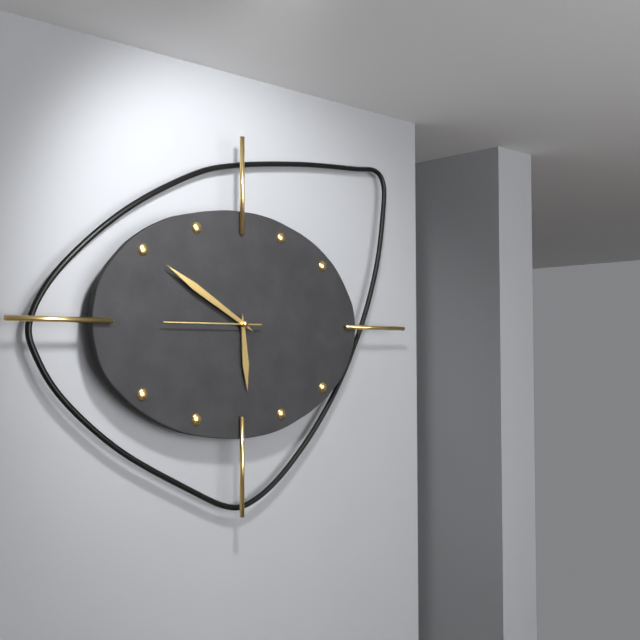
**5:50:45**
